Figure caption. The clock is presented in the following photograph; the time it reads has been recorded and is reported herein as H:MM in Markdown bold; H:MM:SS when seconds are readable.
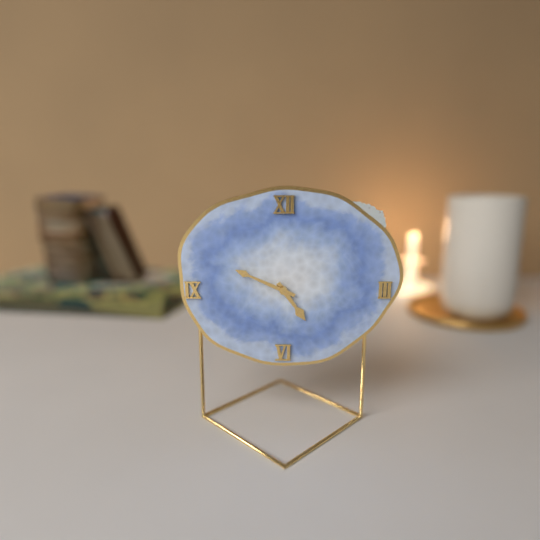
**4:49**
